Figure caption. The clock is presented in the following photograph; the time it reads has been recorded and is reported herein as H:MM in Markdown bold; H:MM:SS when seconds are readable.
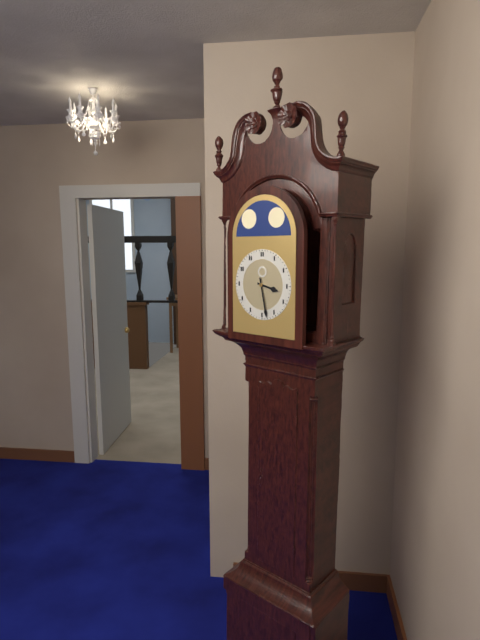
**3:28**
